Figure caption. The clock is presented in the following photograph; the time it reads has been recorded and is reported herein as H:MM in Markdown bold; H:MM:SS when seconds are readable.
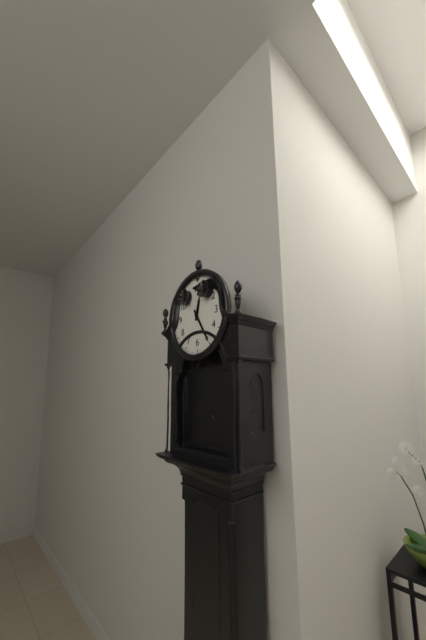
**12:25**
